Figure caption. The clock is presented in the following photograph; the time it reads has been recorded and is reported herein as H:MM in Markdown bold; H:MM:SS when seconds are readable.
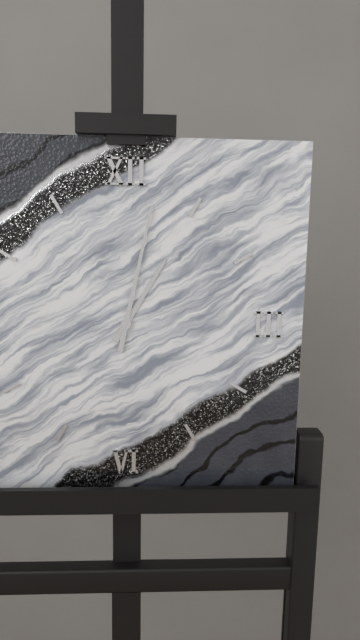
**1:02**
